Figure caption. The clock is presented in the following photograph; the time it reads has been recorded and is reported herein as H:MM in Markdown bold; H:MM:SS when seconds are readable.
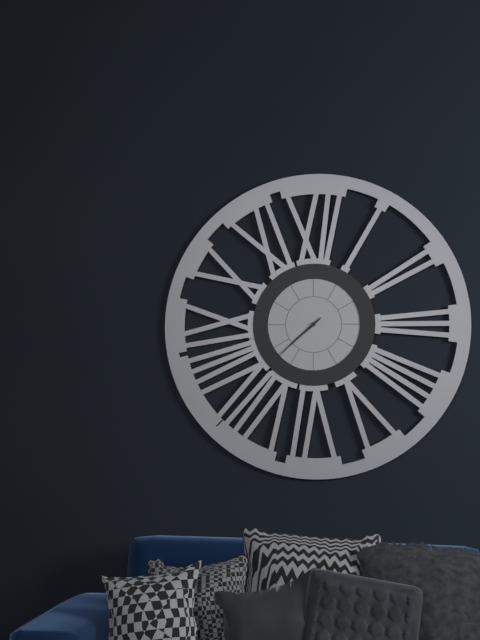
**7:38**
